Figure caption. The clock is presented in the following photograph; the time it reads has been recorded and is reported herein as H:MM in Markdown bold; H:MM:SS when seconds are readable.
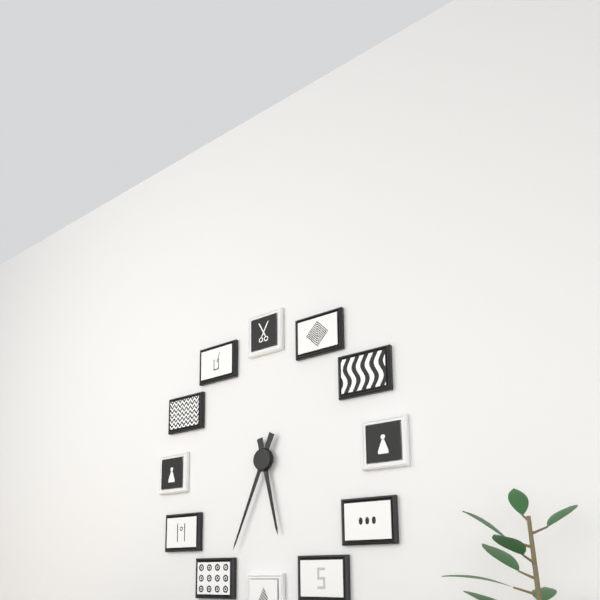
**5:34**
